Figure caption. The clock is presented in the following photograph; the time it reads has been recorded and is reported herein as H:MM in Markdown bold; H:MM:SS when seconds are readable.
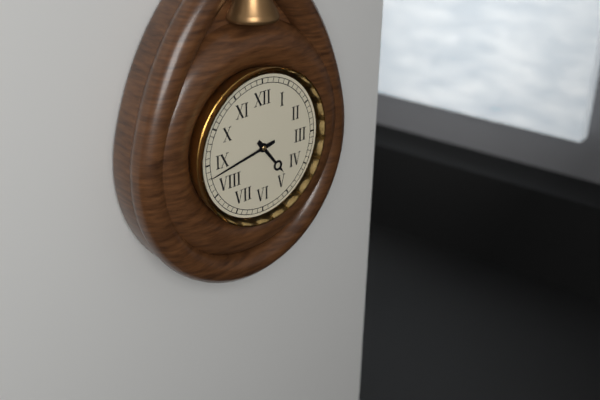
**4:43**
